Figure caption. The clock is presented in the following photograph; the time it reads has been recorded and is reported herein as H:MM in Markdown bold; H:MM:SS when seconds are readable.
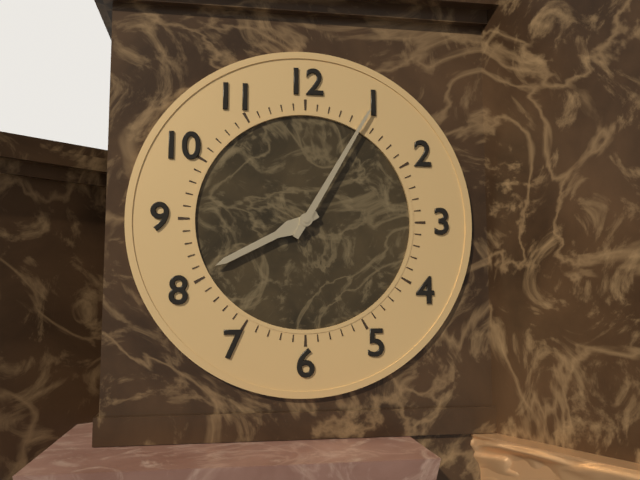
**8:05**
